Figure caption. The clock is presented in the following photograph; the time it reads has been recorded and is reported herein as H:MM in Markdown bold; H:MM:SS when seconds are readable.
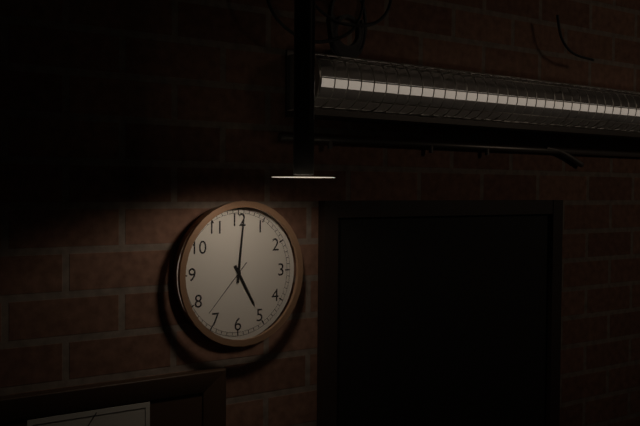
**5:01:37**
